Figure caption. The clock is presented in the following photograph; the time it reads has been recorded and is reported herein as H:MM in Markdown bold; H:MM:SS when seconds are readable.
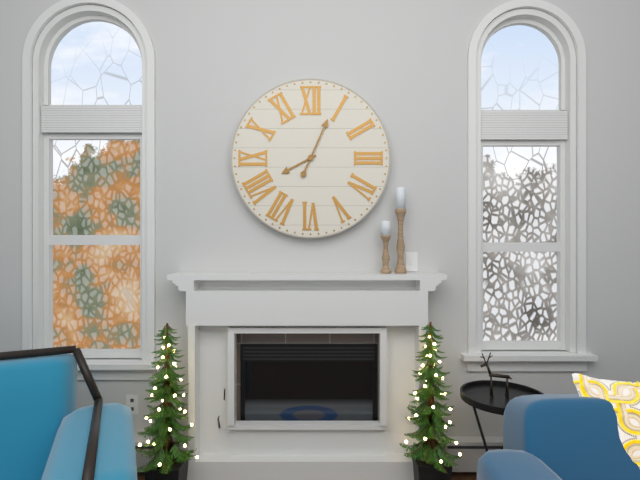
**8:04**
